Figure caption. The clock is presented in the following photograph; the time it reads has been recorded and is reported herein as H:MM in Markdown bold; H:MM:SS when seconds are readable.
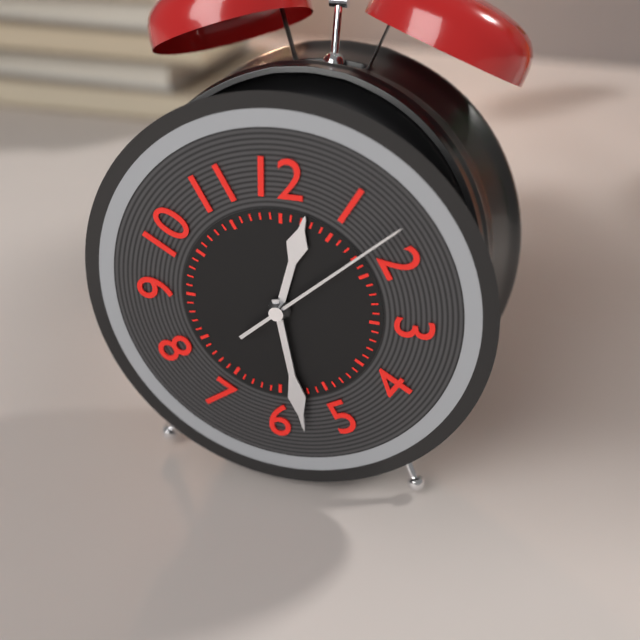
**12:28:08**
